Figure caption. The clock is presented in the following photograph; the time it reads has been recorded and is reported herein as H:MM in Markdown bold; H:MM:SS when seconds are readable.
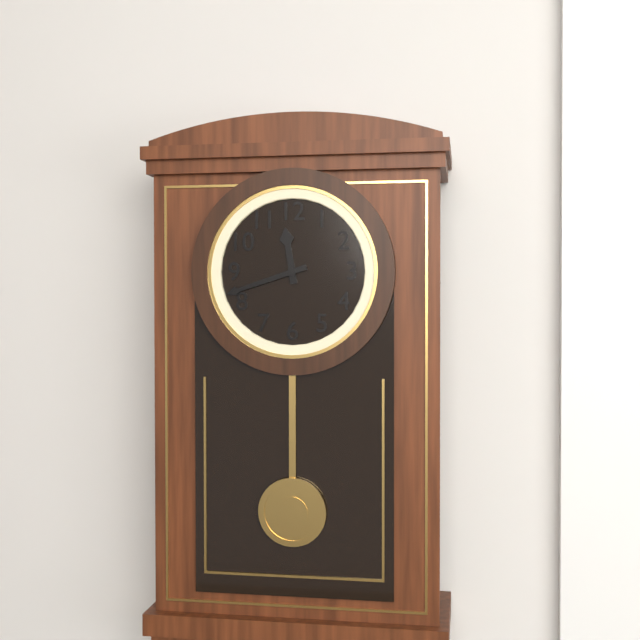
**11:42**
